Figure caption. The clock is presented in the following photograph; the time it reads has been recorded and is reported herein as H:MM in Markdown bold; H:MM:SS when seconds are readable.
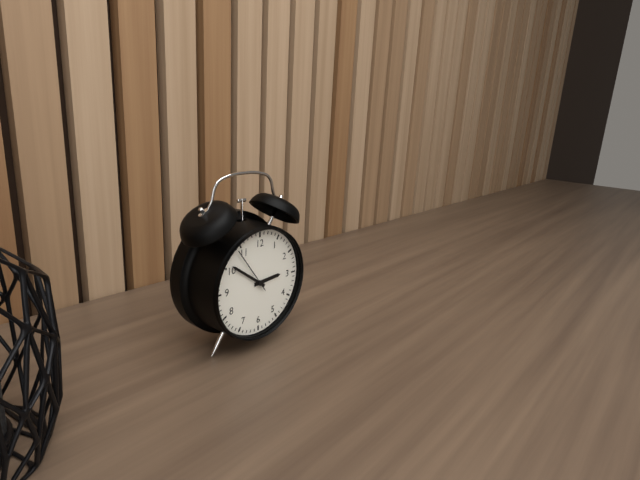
**2:51**
